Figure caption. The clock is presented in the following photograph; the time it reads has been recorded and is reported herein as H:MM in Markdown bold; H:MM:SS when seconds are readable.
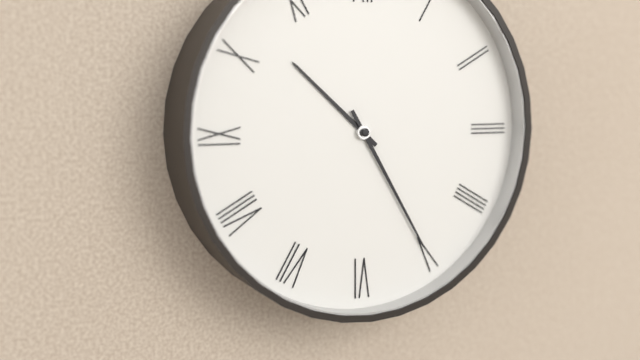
**10:25**
